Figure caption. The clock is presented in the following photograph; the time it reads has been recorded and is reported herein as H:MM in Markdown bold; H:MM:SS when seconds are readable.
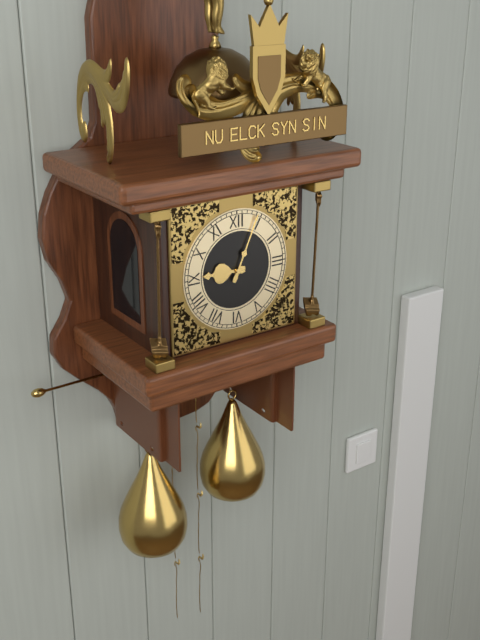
**9:04**
